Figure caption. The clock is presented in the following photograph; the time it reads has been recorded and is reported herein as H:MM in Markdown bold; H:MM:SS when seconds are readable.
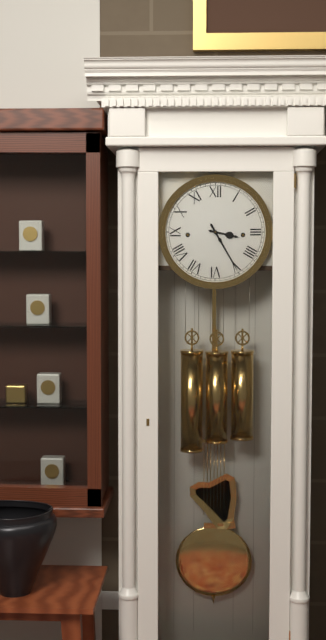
**3:25**
